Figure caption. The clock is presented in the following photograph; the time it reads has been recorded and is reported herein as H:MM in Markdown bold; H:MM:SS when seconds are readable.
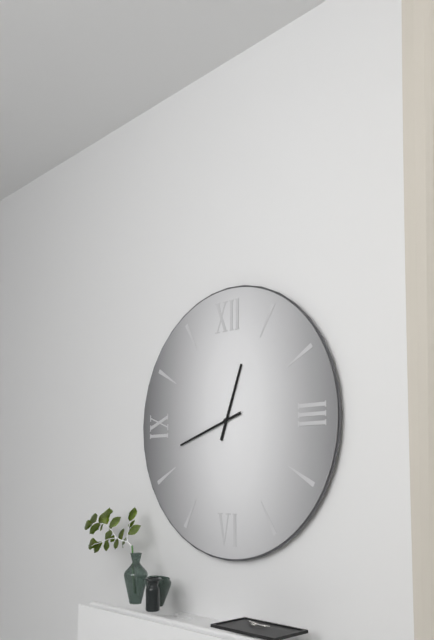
**12:42**
